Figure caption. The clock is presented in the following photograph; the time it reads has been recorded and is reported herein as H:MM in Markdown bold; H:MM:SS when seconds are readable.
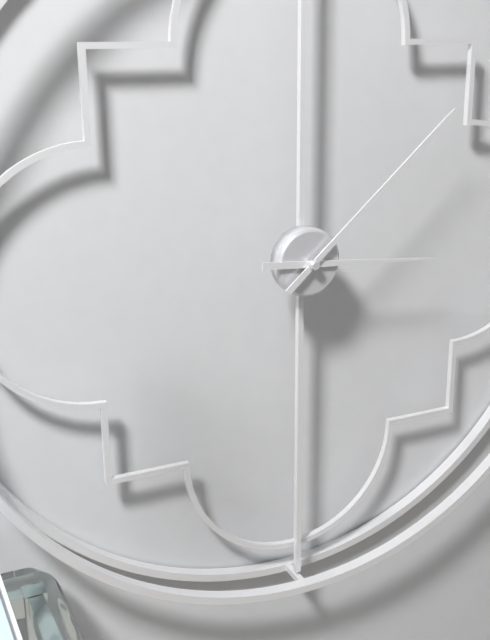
**3:08**
